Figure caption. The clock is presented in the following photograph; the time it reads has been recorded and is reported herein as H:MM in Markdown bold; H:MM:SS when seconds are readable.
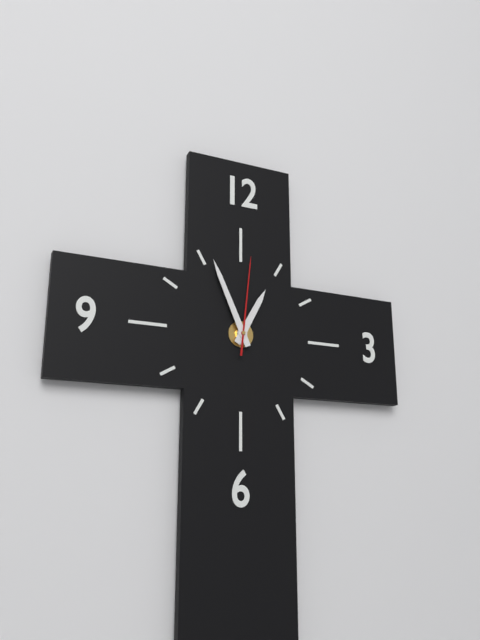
**12:56:01**
